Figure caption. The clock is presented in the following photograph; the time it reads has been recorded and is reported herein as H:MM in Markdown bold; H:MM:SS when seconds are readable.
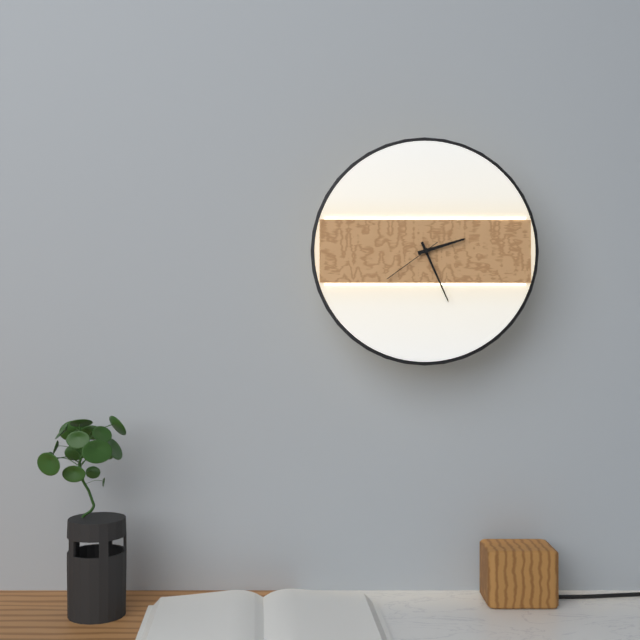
**2:26:39**
